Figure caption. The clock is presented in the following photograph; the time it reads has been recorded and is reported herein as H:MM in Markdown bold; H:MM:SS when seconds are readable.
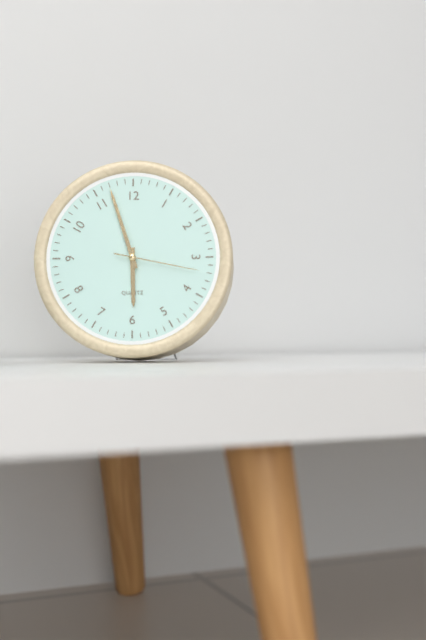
**5:57:17**
